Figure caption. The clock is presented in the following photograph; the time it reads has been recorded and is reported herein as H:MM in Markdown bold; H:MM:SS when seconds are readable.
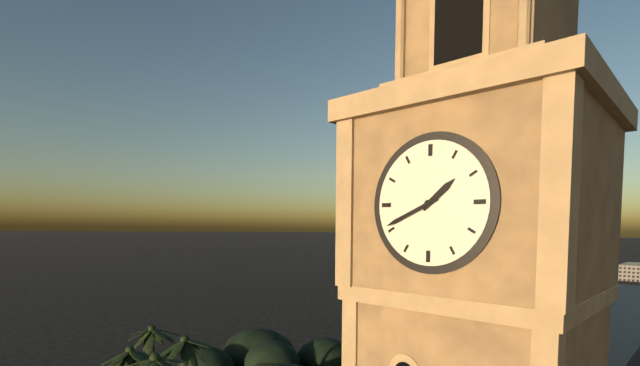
**1:41**
